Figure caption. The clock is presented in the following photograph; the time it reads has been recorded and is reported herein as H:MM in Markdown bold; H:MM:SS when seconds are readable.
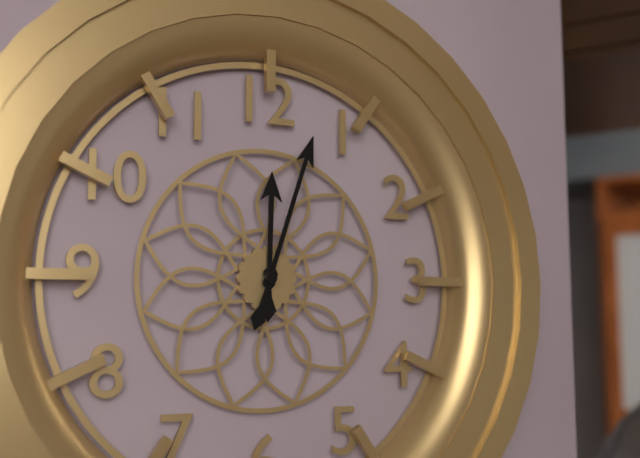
**12:03**
